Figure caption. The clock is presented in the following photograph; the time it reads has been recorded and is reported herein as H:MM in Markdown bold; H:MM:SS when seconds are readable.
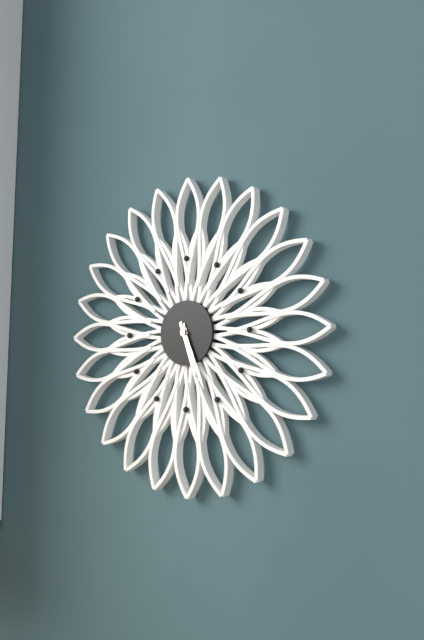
**5:26**
